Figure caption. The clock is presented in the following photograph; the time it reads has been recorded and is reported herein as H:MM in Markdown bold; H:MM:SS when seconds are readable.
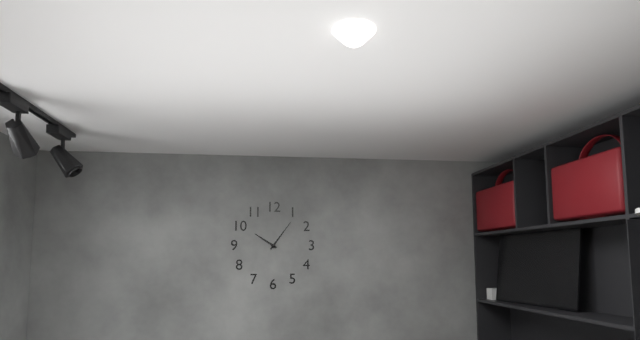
**10:06**
